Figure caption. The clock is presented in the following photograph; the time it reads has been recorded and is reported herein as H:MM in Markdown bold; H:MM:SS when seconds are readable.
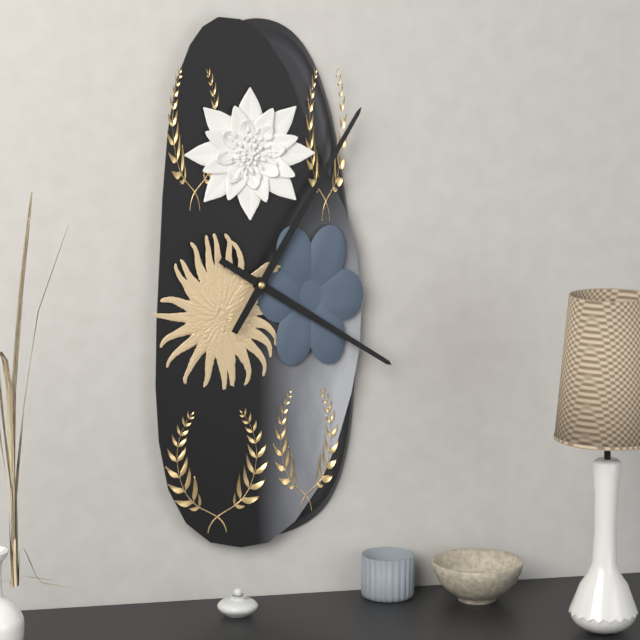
**4:05**
